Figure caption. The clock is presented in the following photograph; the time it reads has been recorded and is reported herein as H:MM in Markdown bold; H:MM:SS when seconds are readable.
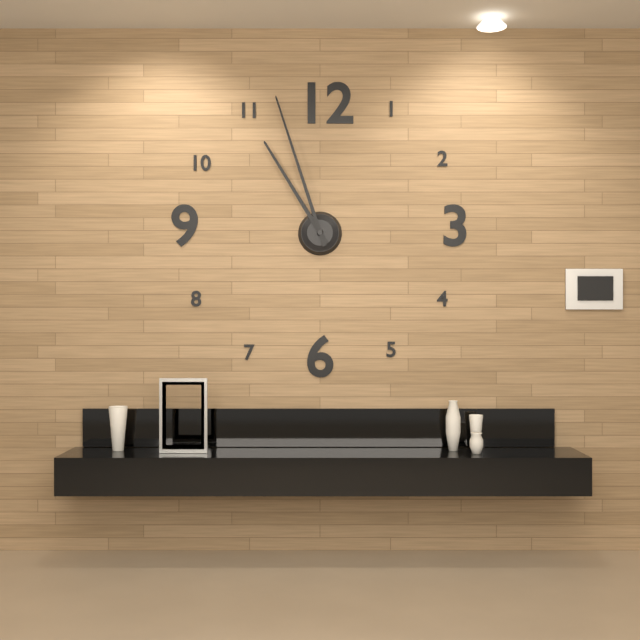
**10:57**
